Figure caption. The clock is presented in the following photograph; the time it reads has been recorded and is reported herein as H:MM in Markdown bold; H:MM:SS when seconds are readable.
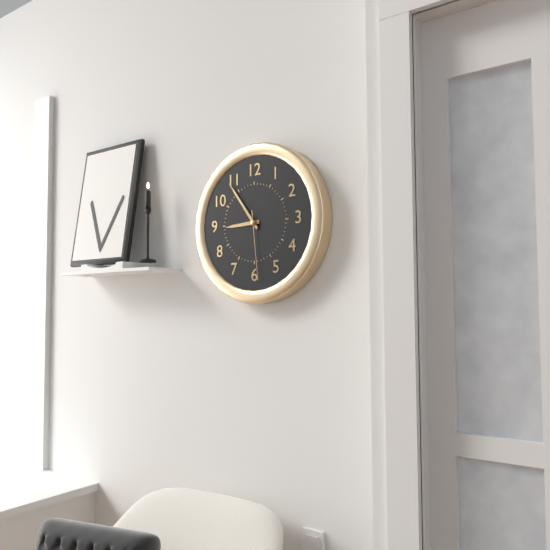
**8:54:29**
